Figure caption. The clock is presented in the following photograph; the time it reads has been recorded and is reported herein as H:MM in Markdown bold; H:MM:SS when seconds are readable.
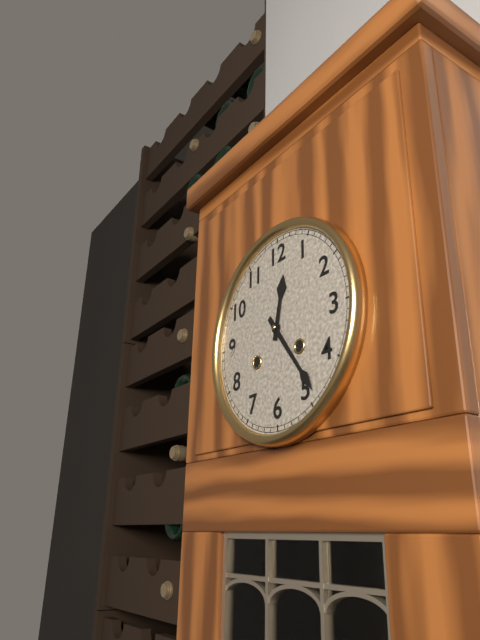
**12:24**
